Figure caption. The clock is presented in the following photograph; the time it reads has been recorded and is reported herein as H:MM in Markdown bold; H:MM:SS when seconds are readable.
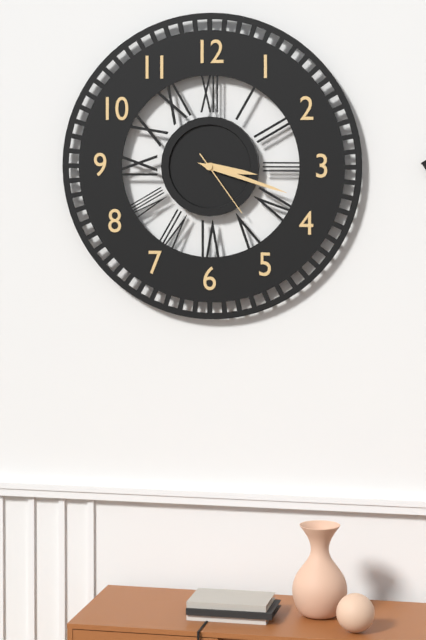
**3:18:24**
